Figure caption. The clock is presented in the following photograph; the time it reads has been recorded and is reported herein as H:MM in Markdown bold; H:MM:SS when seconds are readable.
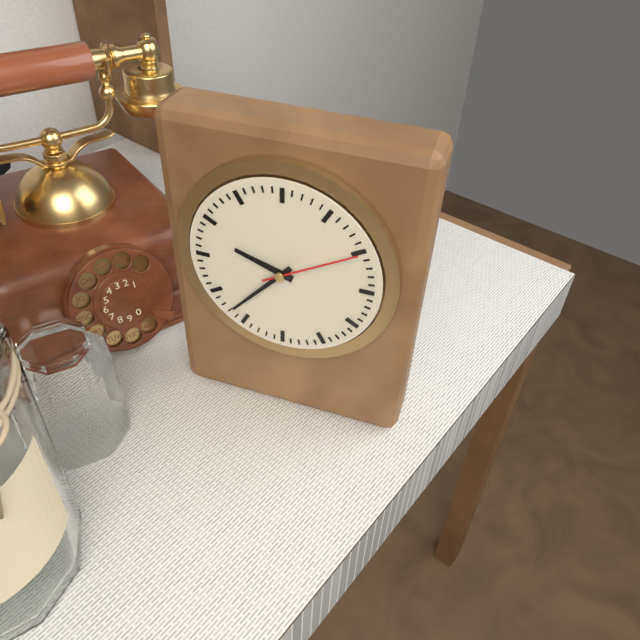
**9:37:10**
